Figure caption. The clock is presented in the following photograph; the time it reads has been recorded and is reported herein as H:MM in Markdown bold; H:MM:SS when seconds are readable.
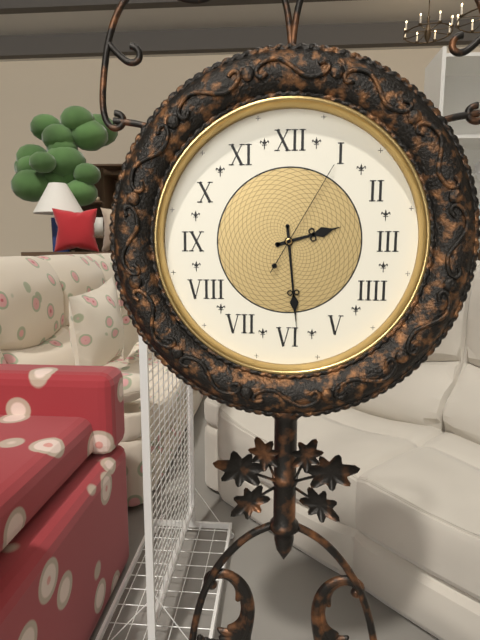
**2:29:05**
